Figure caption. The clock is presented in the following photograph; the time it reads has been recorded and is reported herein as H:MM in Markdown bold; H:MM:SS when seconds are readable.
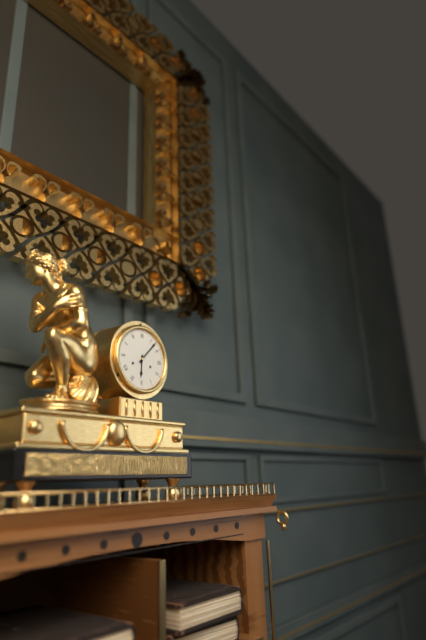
**6:07**
